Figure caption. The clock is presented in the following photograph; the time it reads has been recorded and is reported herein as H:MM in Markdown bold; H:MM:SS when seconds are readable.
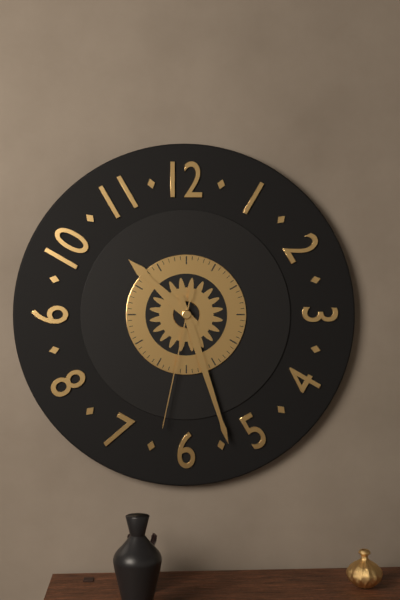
**10:27:32**
